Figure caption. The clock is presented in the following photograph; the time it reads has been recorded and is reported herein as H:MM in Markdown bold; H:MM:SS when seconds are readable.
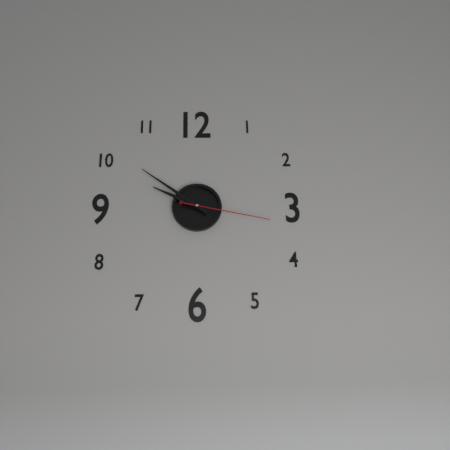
**9:51:17**
